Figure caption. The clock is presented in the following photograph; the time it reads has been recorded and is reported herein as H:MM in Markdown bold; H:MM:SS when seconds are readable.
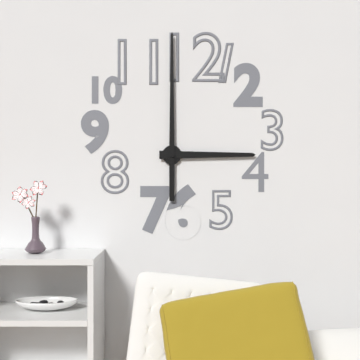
**3:00**
